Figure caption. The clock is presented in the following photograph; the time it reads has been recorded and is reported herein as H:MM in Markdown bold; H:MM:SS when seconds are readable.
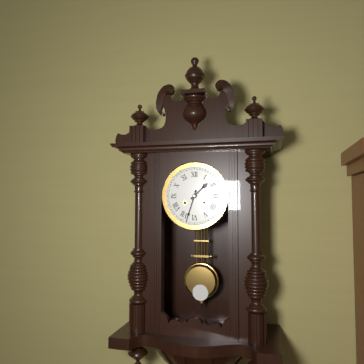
**1:33**
